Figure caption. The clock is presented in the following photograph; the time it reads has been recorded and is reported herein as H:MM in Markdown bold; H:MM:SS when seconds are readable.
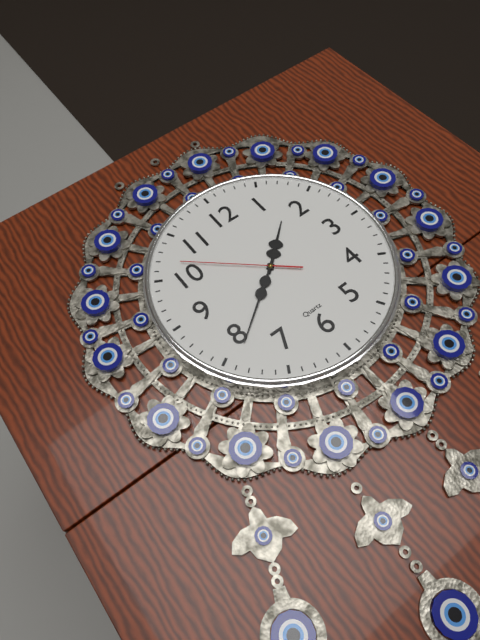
**1:39:52**
